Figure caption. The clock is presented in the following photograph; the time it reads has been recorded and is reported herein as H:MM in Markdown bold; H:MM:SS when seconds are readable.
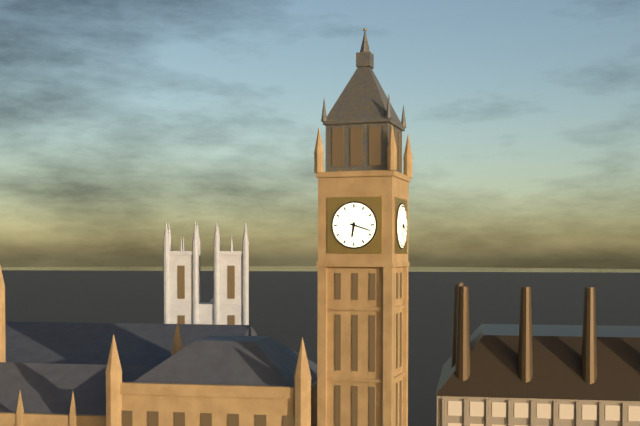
**6:18**
